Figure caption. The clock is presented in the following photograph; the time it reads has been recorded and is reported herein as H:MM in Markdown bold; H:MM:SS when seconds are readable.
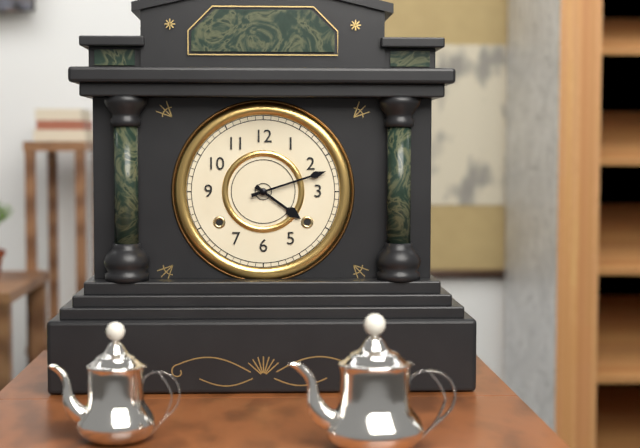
**4:12**
